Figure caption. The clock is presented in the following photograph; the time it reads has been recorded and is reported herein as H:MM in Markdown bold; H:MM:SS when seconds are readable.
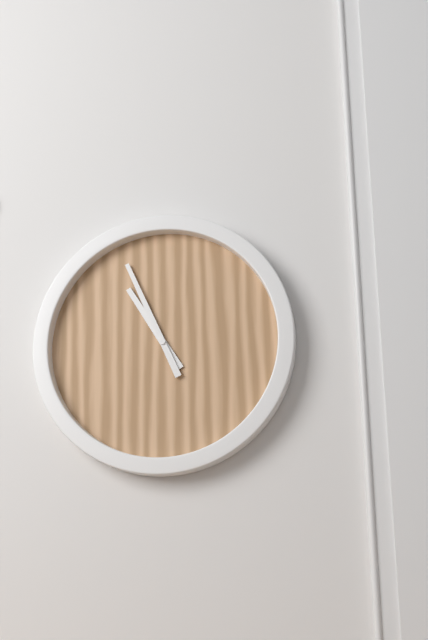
**10:56**
